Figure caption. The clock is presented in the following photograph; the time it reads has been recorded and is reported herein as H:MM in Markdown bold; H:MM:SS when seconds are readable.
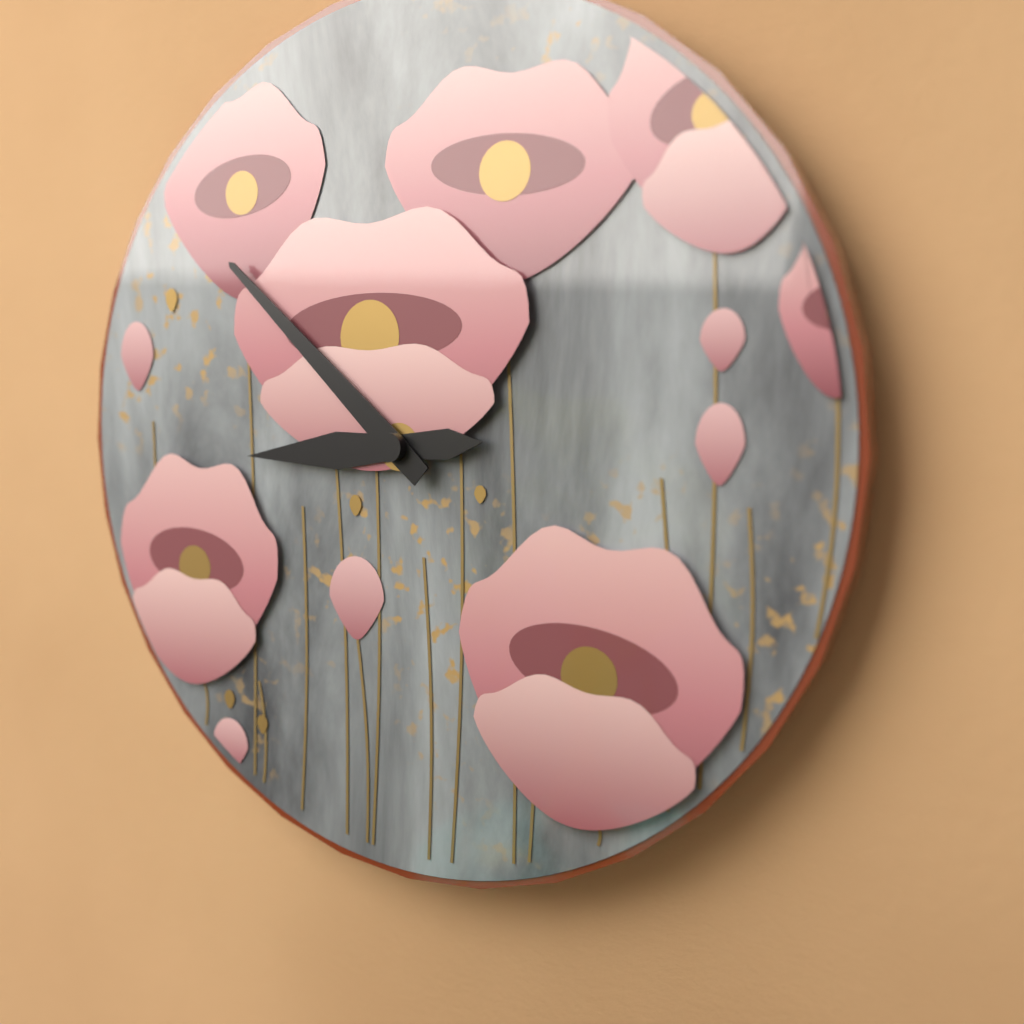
**8:52**
